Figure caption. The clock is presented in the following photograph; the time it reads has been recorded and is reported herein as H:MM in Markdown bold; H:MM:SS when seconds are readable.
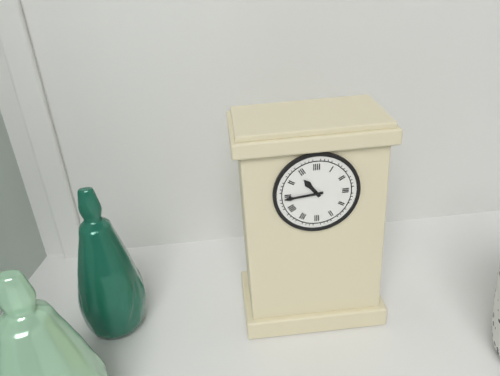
**10:44**
